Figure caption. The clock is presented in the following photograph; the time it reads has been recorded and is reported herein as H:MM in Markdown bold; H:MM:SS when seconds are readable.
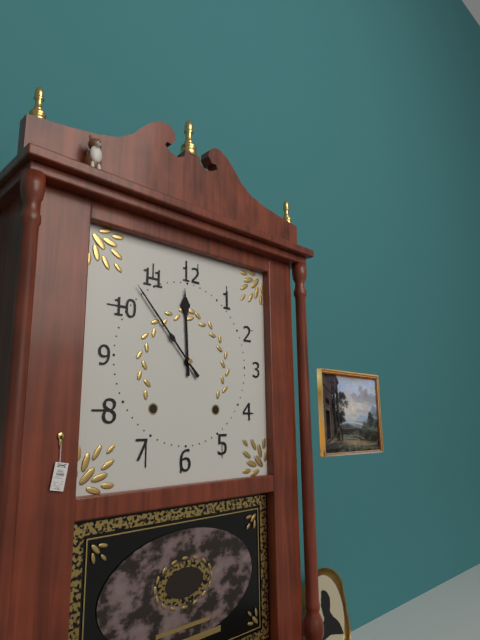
**11:53**
